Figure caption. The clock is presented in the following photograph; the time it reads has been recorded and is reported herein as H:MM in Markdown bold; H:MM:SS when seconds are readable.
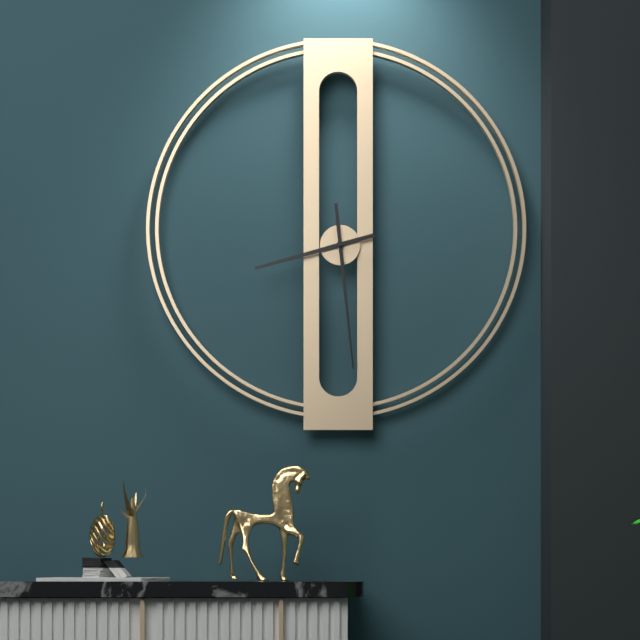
**8:29**
